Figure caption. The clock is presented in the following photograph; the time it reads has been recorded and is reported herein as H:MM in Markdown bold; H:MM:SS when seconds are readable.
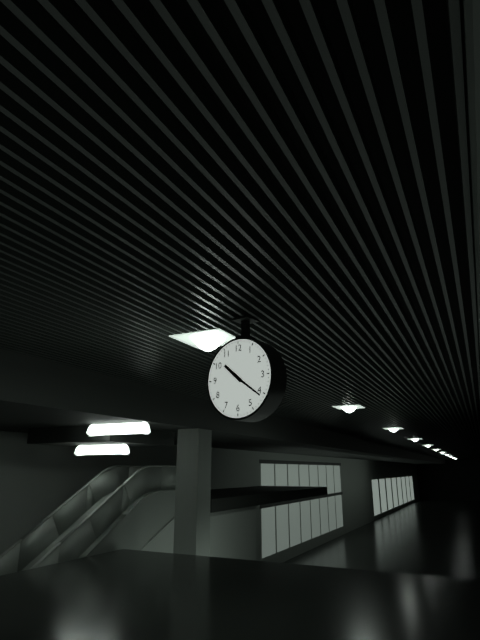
**10:21**
